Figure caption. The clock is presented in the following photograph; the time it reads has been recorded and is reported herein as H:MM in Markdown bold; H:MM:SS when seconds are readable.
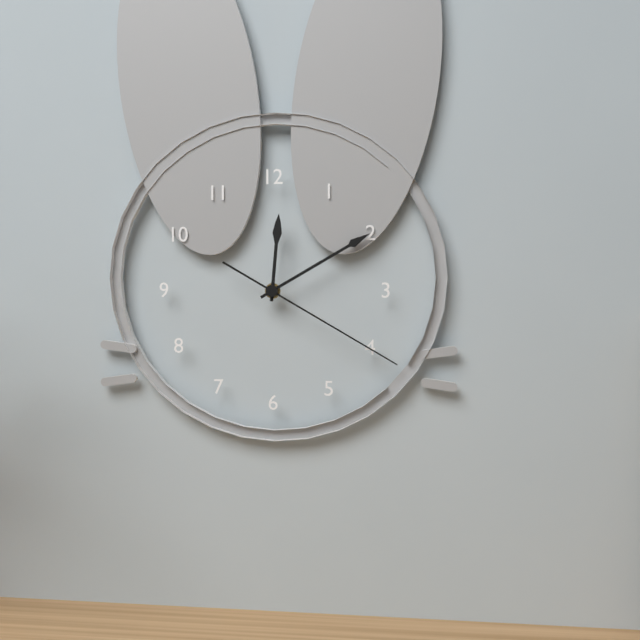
**12:10:20**
